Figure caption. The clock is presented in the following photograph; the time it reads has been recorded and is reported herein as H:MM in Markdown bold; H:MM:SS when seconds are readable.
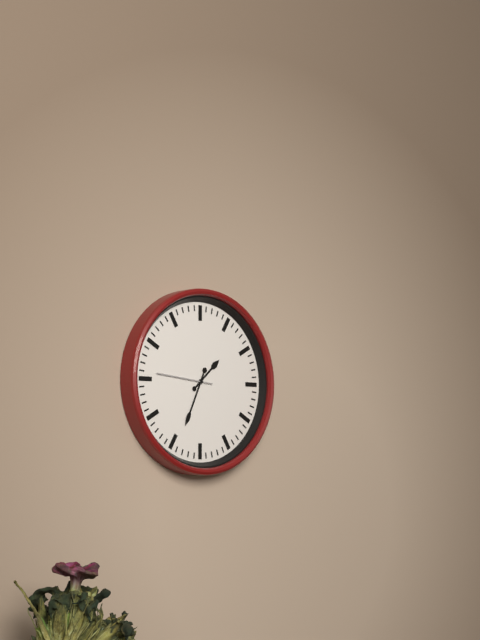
**1:34**
